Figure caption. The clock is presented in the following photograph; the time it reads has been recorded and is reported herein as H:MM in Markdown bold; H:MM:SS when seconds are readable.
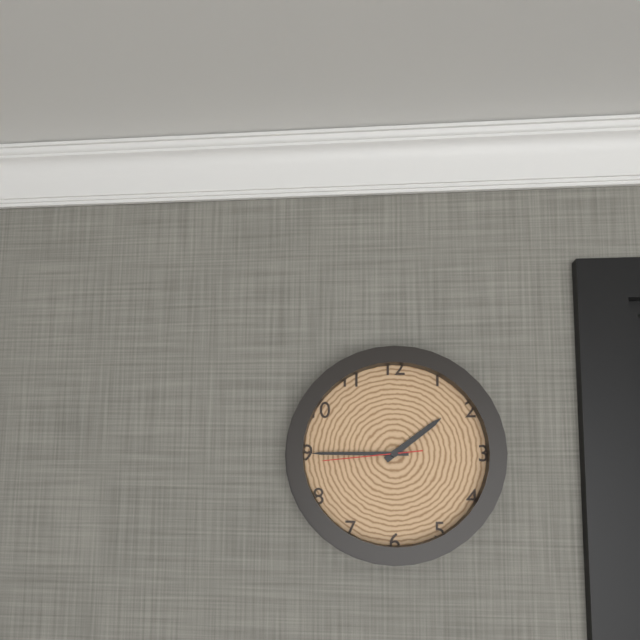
**1:45:44**
